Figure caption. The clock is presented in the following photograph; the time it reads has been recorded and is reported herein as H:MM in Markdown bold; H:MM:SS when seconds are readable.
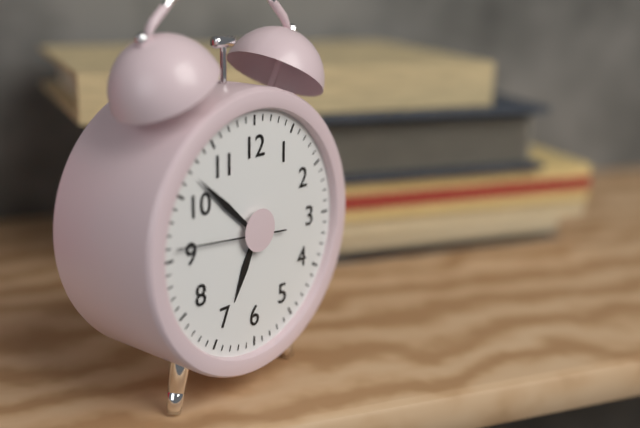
**6:52:46**
